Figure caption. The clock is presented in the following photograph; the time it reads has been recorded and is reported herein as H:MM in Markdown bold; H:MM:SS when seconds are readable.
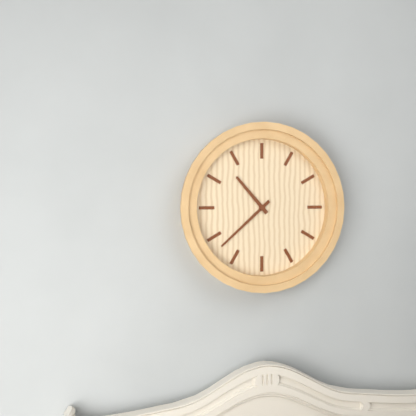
**10:38**
